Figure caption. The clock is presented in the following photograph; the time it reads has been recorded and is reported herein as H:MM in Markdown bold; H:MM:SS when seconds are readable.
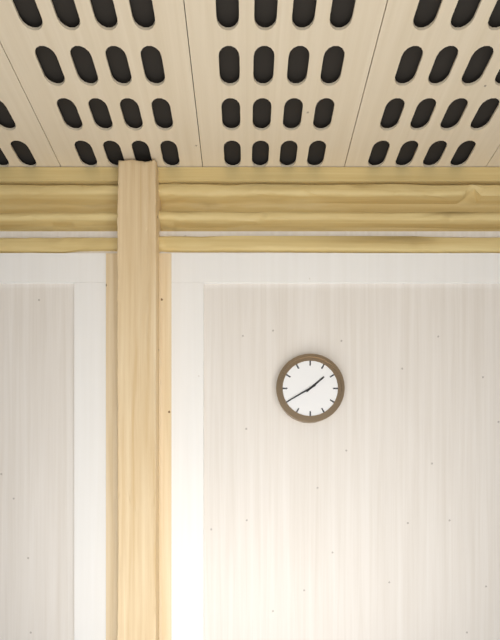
**1:40**
